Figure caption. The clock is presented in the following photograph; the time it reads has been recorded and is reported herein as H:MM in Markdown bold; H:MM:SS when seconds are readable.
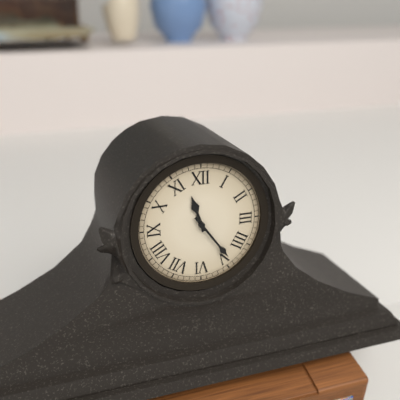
**11:24**
